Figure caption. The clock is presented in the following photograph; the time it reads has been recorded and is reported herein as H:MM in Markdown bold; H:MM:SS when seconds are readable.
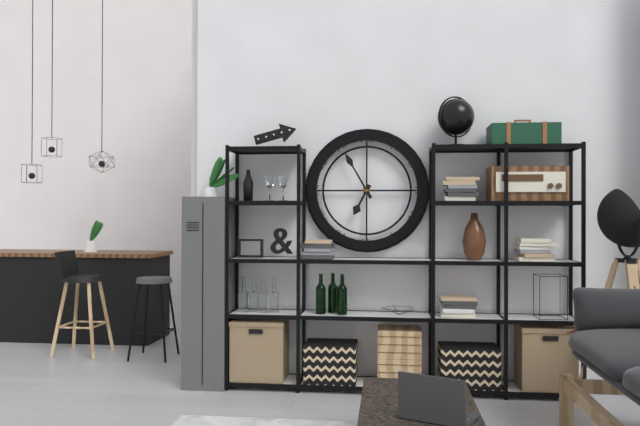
**6:55**
